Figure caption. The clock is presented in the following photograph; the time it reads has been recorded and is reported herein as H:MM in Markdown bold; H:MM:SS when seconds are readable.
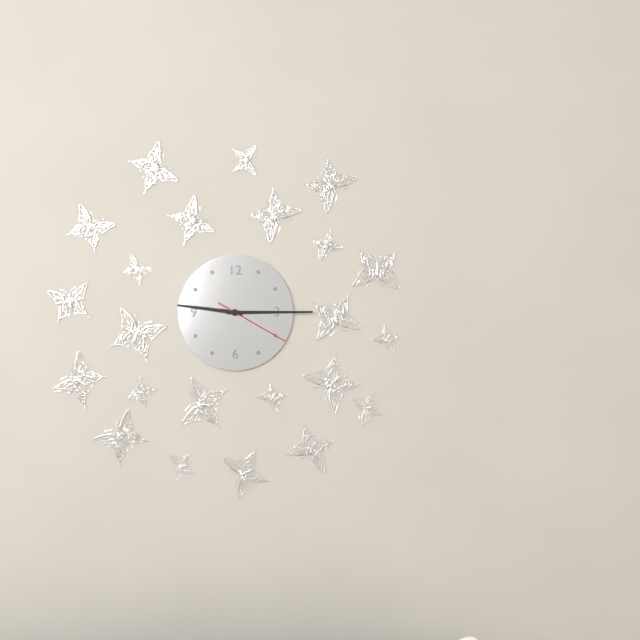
**9:15:20**
